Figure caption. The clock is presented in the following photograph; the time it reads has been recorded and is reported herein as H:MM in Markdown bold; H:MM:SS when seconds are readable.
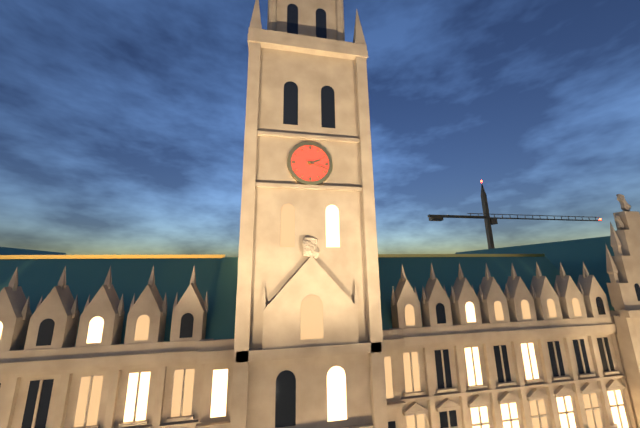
**2:18**
